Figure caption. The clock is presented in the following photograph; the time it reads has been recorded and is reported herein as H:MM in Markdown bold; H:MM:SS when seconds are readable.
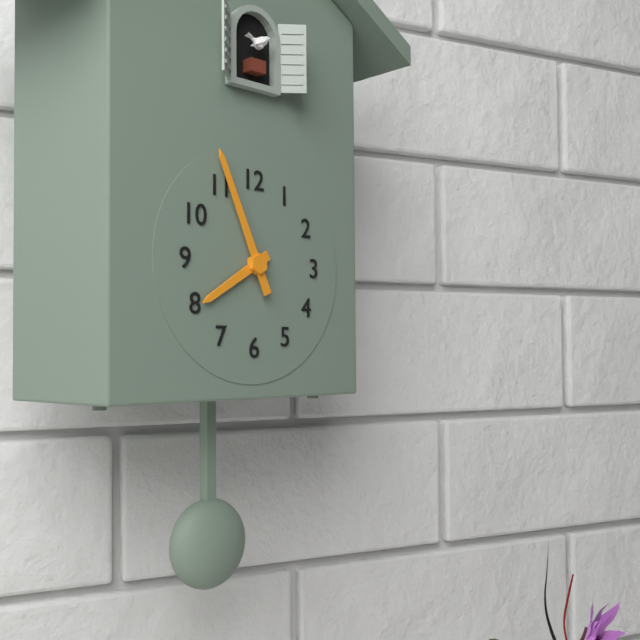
**7:56**
